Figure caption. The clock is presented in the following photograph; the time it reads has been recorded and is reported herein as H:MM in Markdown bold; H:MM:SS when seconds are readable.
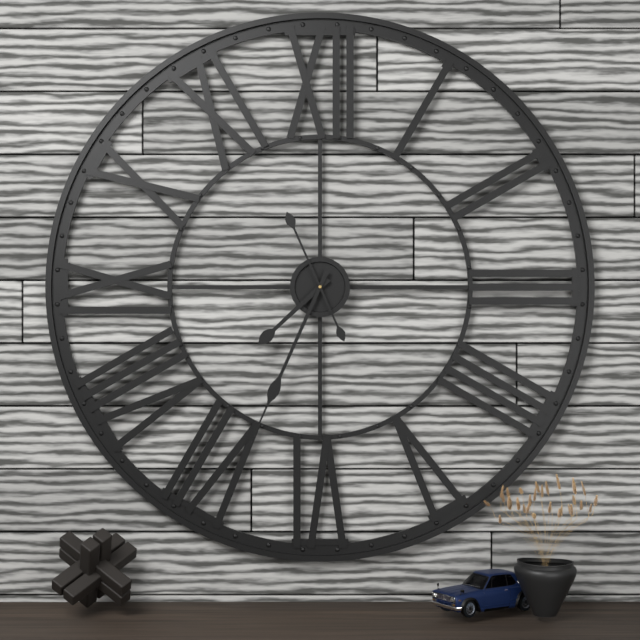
**7:34:56**
